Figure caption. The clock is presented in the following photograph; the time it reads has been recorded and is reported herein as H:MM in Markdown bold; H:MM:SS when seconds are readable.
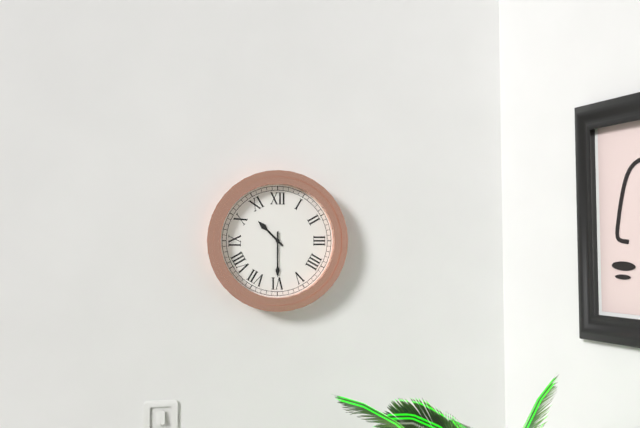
**10:30**
